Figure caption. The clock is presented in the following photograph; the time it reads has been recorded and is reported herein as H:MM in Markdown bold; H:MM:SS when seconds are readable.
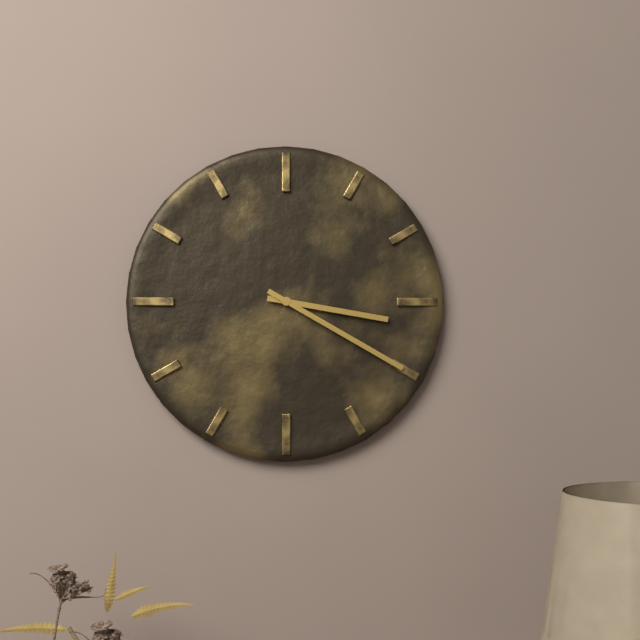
**3:20**
